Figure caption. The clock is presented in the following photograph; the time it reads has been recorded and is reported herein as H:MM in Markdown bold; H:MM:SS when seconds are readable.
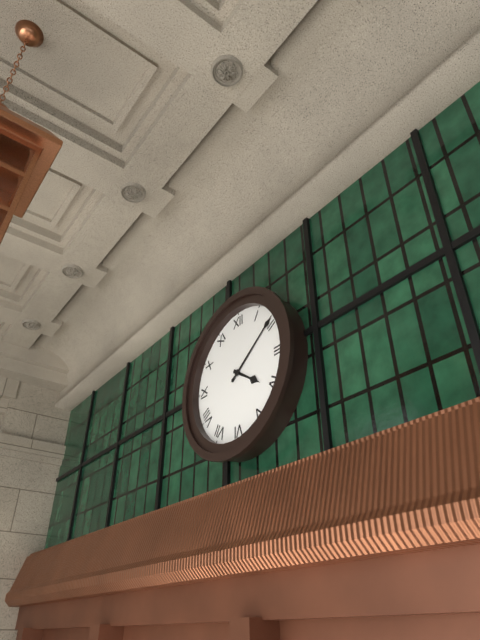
**4:09**
